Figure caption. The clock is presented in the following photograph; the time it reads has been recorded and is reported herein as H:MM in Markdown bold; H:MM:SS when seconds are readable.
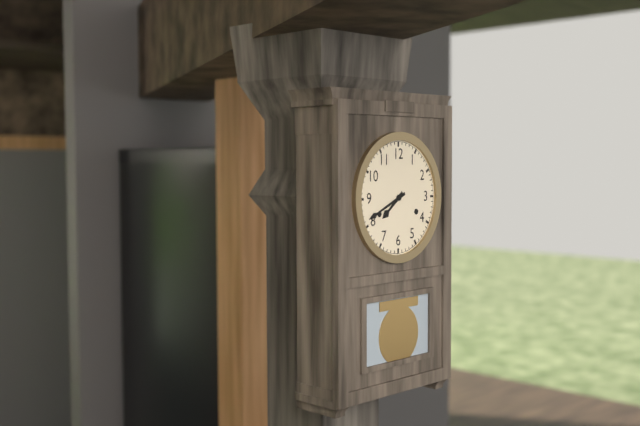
**7:41**
